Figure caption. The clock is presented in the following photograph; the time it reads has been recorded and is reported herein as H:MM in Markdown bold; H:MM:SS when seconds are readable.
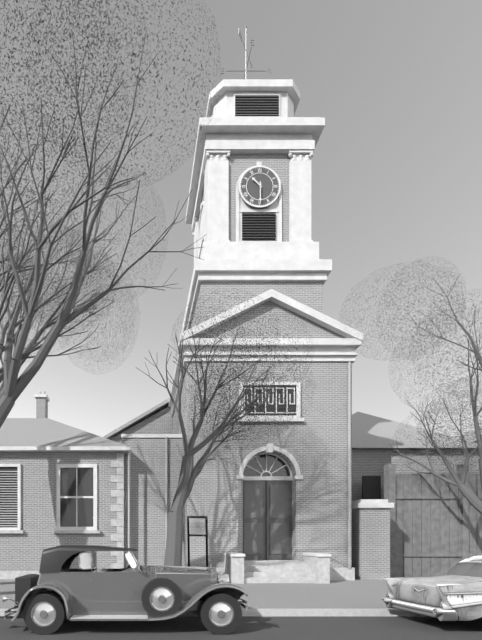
**10:30**
